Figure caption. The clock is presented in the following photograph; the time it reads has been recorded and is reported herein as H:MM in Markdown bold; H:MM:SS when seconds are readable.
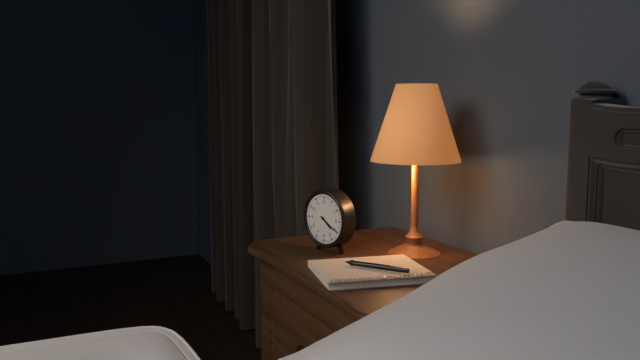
**4:20**
